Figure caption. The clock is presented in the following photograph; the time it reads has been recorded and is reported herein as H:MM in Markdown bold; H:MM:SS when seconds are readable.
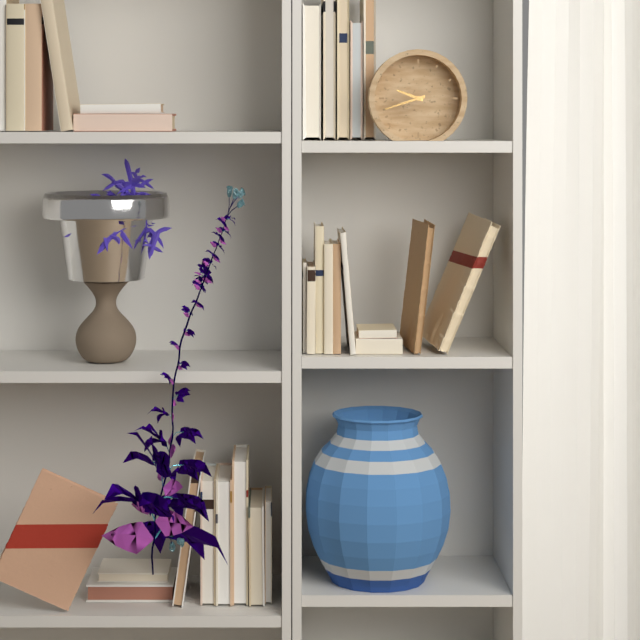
**9:42**
